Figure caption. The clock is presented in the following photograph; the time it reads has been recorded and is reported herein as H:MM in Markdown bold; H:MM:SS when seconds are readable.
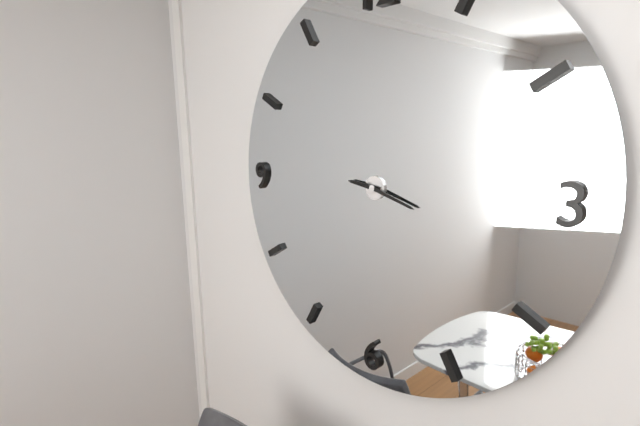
**9:18**
